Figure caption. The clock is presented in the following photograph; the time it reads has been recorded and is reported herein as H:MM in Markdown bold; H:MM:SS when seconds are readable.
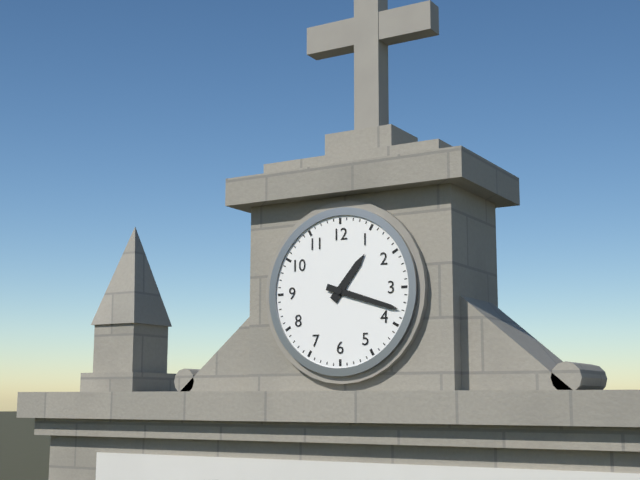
**1:18**
